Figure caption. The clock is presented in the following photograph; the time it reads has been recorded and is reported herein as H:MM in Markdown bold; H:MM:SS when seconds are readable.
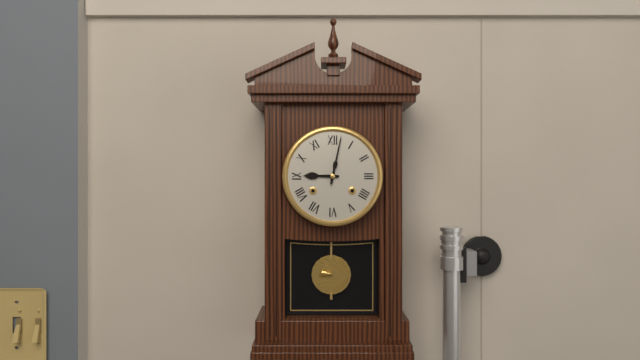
**9:02**
